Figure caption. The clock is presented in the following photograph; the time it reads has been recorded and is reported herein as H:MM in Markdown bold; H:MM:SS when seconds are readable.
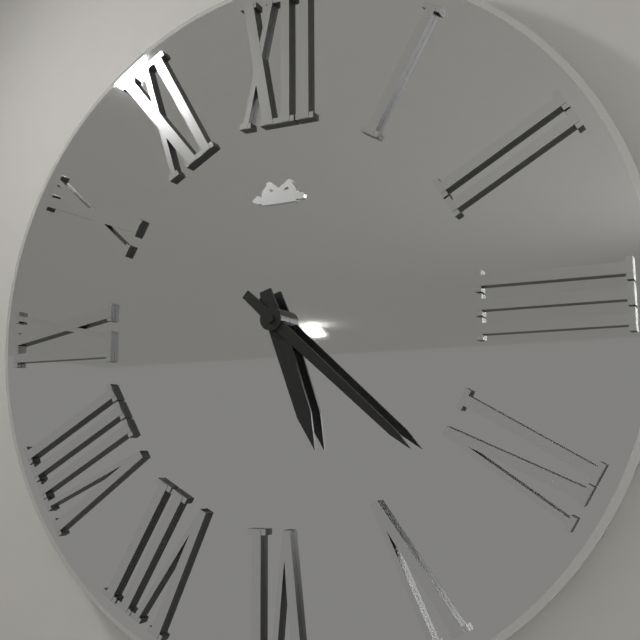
**5:22**
